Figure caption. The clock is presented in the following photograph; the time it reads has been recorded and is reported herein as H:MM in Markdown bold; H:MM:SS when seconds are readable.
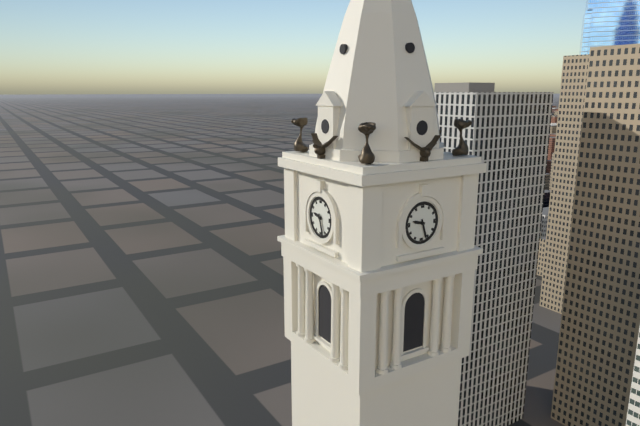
**9:27**
